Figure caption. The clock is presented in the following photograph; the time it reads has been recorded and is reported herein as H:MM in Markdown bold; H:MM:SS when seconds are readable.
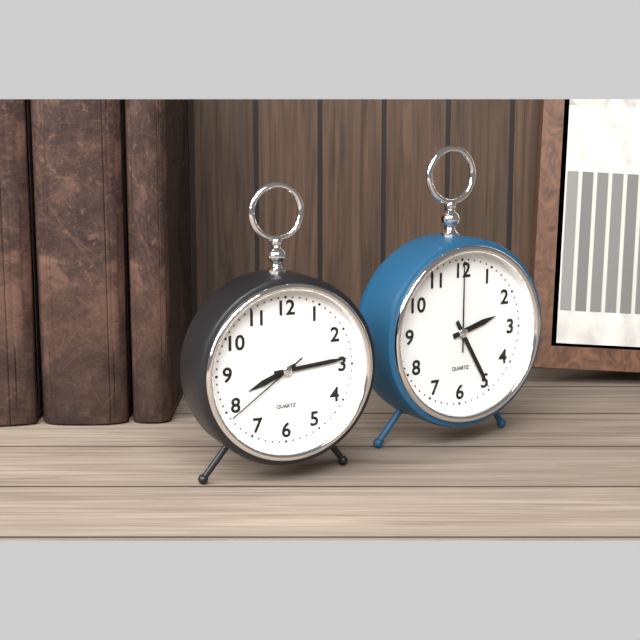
**8:14:39**
